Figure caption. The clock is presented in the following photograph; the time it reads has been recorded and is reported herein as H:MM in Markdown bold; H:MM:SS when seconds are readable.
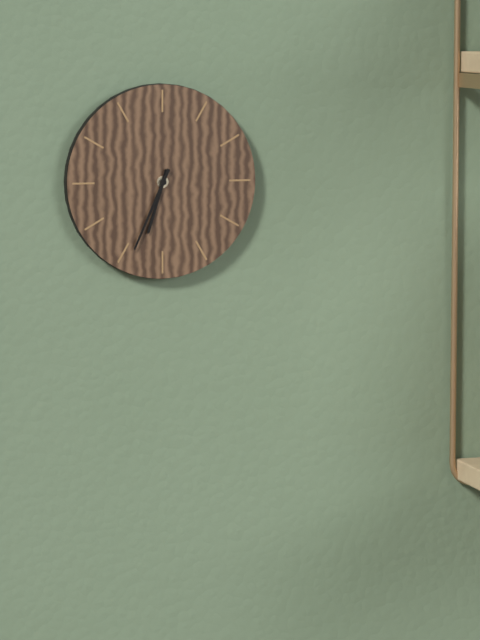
**6:34**
